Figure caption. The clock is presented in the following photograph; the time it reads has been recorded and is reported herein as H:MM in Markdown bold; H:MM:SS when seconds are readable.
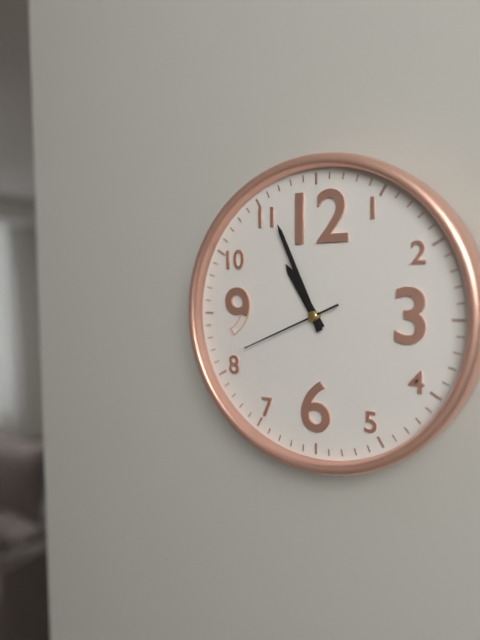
**10:56:41**
